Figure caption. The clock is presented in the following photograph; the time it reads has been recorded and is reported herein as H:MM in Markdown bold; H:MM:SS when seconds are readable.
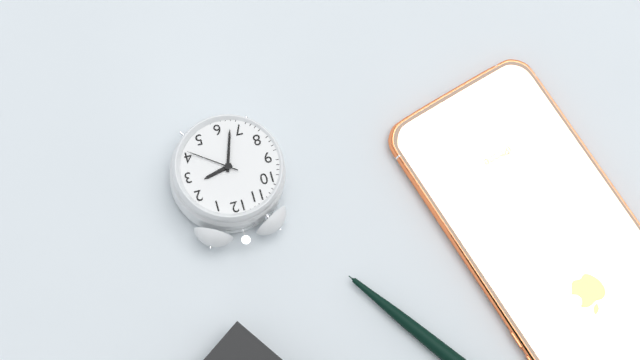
**2:33:21**
